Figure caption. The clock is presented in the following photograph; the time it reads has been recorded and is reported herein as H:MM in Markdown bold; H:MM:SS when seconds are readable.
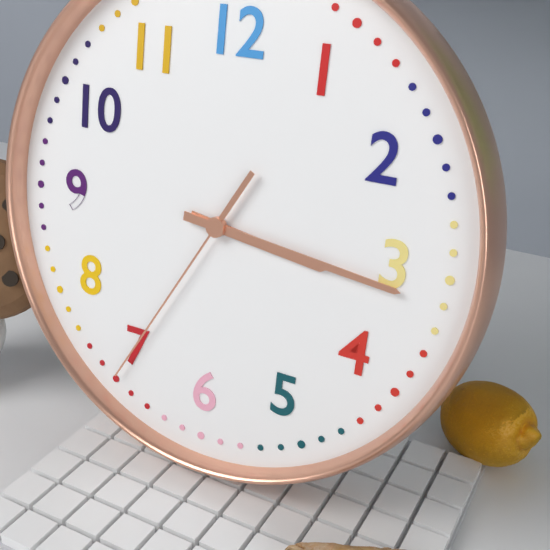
**3:16:35**
